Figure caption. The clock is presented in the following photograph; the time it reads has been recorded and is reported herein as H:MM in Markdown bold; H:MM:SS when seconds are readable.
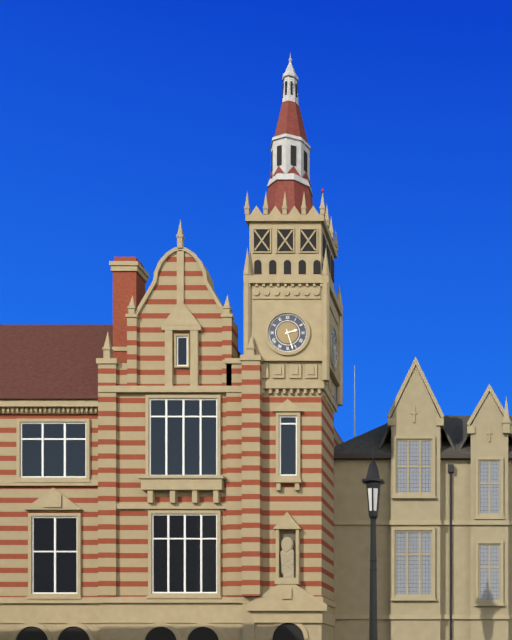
**2:27**
